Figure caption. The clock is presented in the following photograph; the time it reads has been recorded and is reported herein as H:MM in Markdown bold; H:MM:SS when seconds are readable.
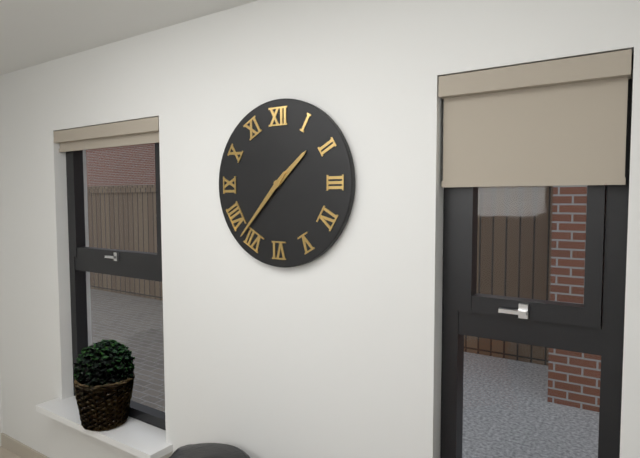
**1:37**
